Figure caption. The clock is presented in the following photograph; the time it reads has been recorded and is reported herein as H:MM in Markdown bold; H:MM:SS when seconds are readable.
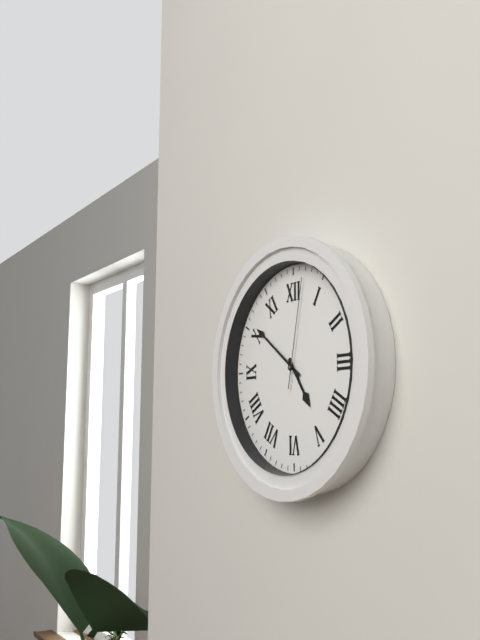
**4:51:02**
